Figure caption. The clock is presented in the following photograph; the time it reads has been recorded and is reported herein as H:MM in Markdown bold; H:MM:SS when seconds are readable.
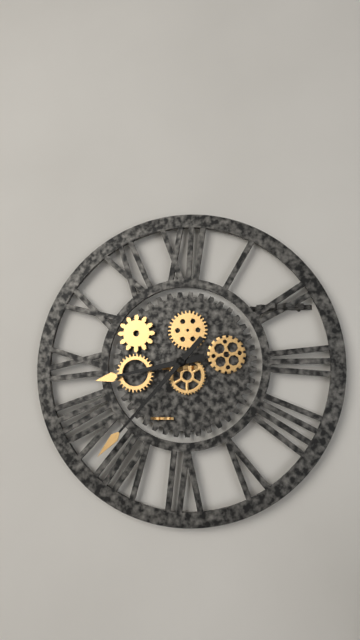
**8:37**
